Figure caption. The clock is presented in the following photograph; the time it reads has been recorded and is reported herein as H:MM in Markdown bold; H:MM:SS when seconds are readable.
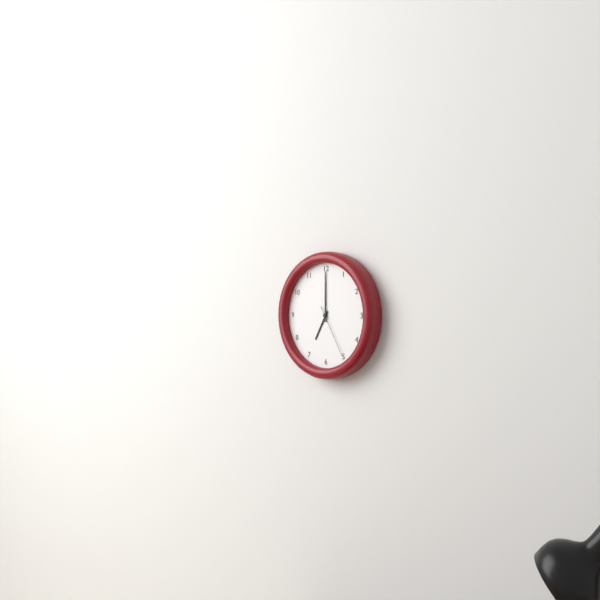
**7:00:25**
